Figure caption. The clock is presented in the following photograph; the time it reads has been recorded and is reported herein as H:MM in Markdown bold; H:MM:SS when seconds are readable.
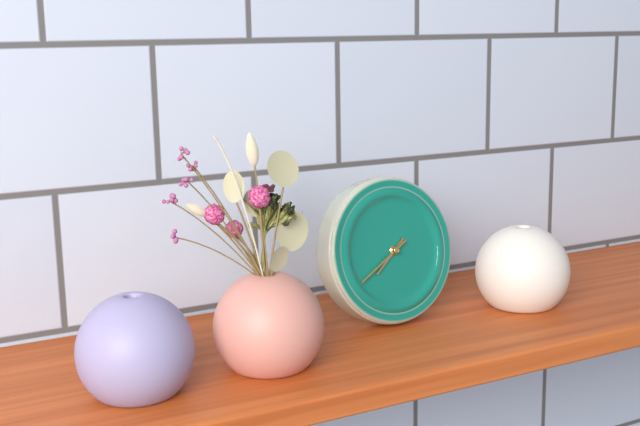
**7:40**
